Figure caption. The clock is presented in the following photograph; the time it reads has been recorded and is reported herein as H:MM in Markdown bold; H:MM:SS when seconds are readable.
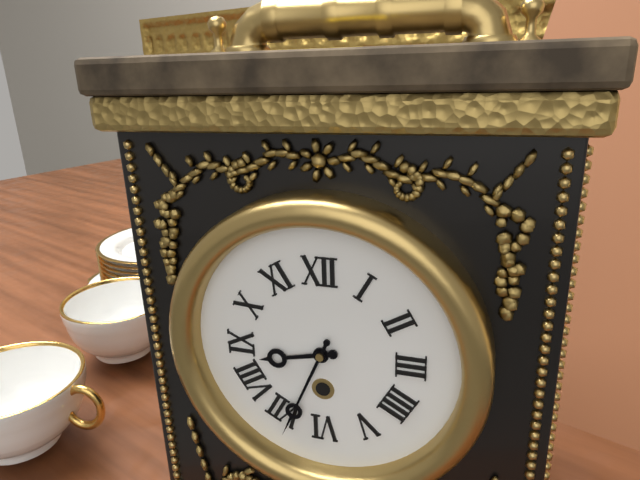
**8:34**
